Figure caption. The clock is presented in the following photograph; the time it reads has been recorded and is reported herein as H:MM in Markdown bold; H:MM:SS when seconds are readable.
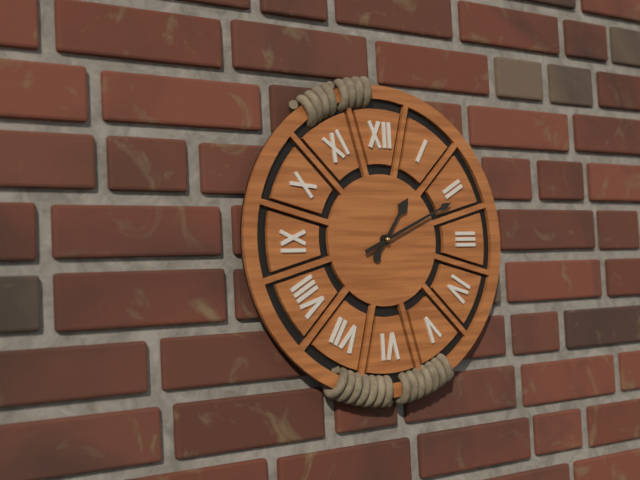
**1:11**
